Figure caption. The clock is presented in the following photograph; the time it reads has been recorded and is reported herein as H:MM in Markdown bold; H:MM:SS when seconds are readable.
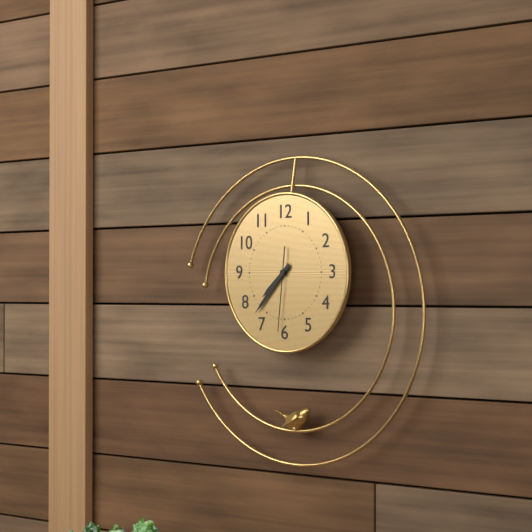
**7:37:31**
